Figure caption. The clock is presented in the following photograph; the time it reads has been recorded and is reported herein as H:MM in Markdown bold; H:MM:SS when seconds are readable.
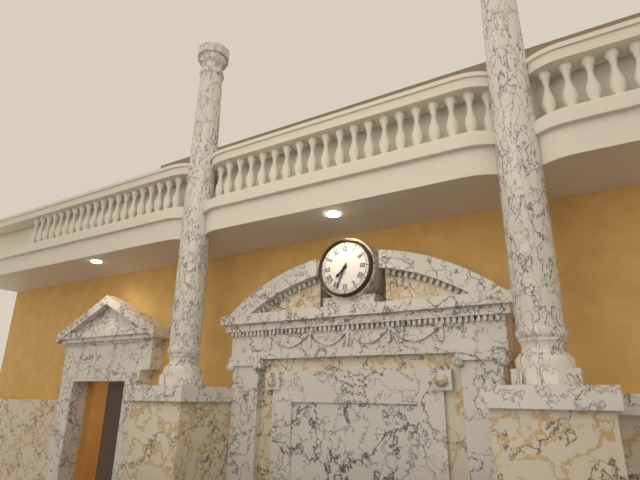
**7:34**
